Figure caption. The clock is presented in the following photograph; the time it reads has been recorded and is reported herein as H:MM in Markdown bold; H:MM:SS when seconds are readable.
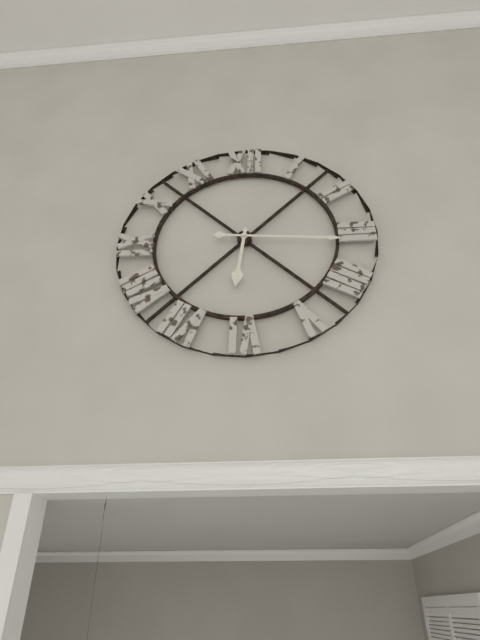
**6:16**
